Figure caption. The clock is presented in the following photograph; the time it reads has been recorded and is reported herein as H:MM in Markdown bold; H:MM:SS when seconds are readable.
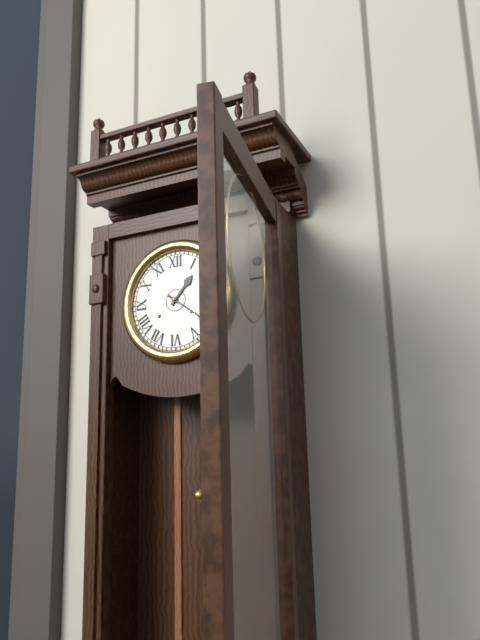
**1:21**
